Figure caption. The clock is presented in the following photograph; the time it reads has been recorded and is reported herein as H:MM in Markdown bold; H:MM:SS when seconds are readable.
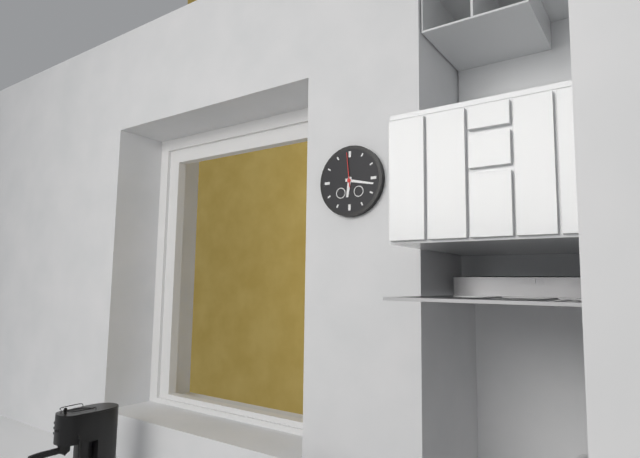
**6:17**
